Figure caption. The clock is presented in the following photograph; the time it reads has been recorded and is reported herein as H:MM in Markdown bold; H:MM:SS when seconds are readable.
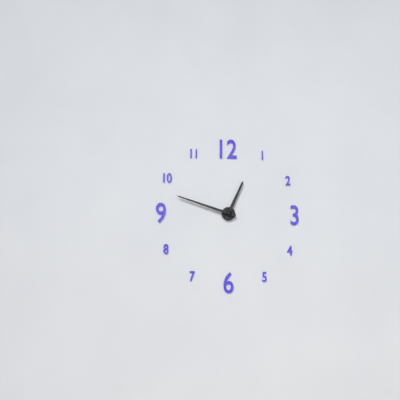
**12:48**
